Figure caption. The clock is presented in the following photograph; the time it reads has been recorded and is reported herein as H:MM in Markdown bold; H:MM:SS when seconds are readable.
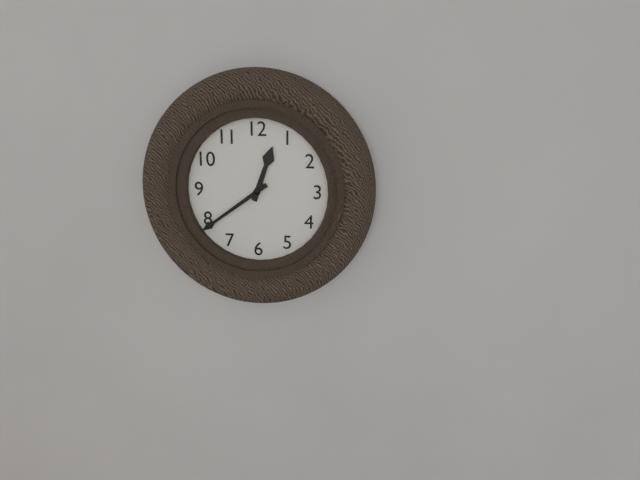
**12:39**
